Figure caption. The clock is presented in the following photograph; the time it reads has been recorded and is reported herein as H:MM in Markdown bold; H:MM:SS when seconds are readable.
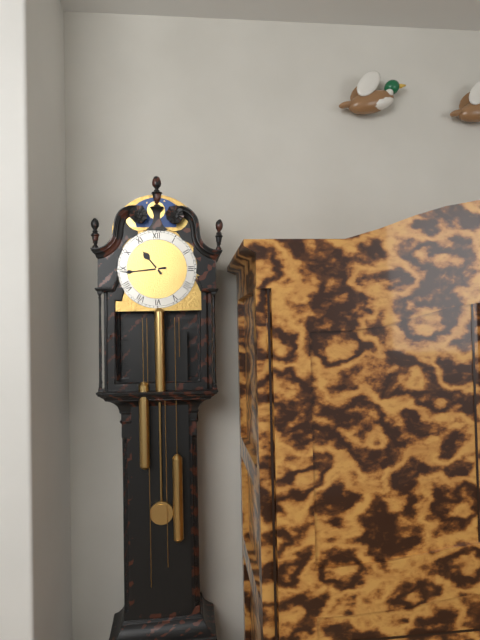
**10:44**
